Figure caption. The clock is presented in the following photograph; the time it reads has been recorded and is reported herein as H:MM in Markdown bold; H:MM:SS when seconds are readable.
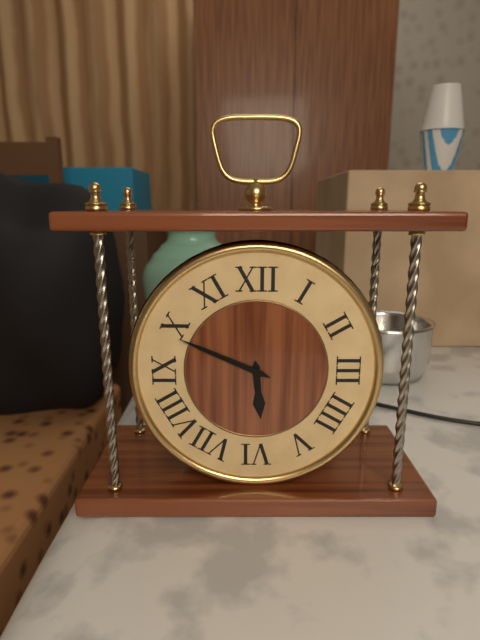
**5:49**
